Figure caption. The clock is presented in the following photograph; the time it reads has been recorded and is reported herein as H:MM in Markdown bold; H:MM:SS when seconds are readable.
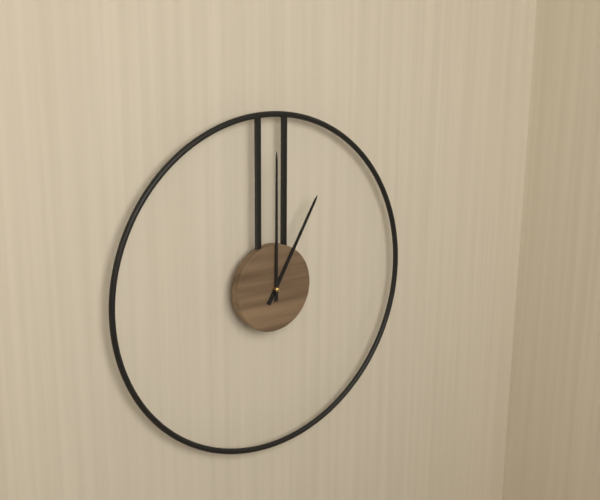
**1:00**
